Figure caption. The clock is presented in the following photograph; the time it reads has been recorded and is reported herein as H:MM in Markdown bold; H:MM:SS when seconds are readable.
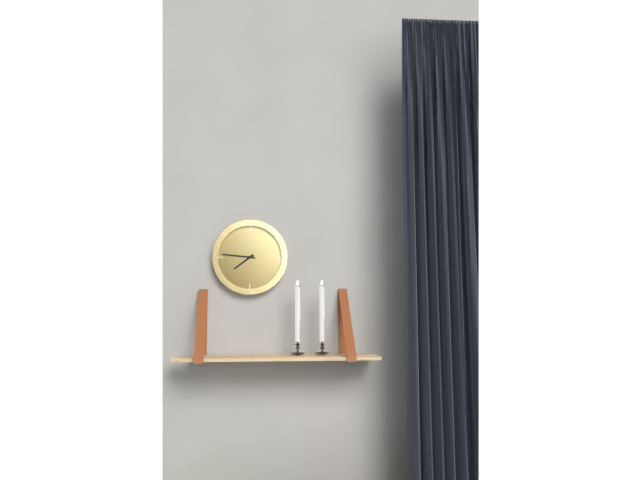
**7:46**
